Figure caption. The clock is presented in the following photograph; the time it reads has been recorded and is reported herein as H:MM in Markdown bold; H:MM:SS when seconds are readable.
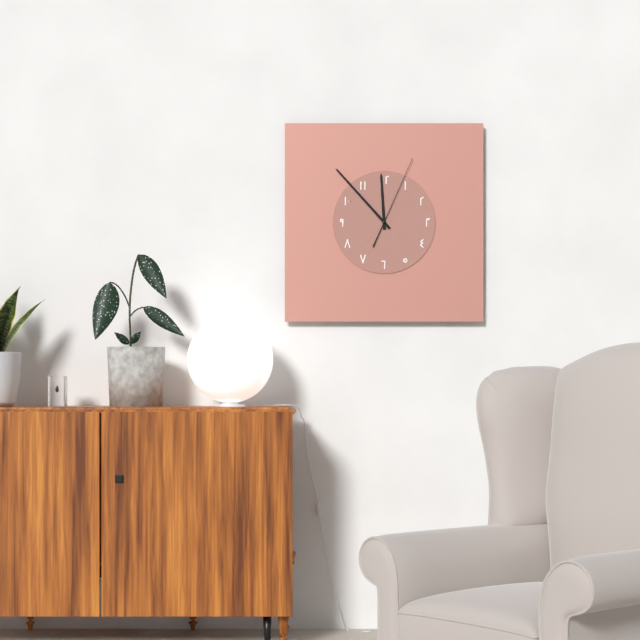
**11:53:04**
